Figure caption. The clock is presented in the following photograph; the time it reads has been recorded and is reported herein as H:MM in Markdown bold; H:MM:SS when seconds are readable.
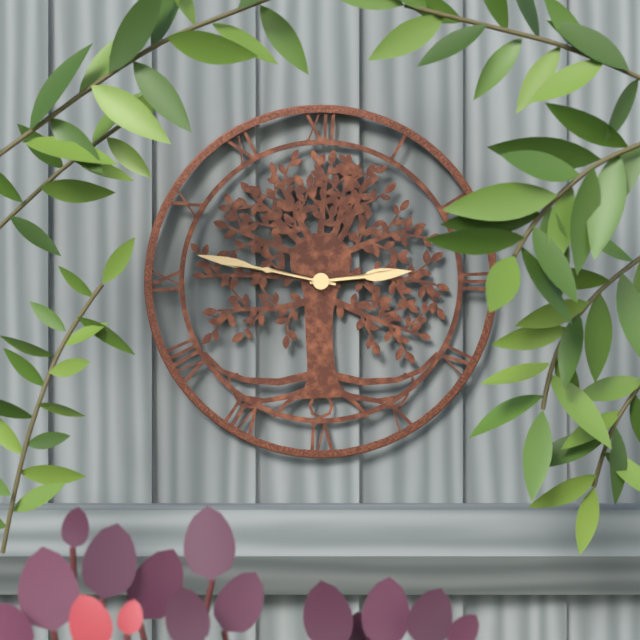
**2:47**
